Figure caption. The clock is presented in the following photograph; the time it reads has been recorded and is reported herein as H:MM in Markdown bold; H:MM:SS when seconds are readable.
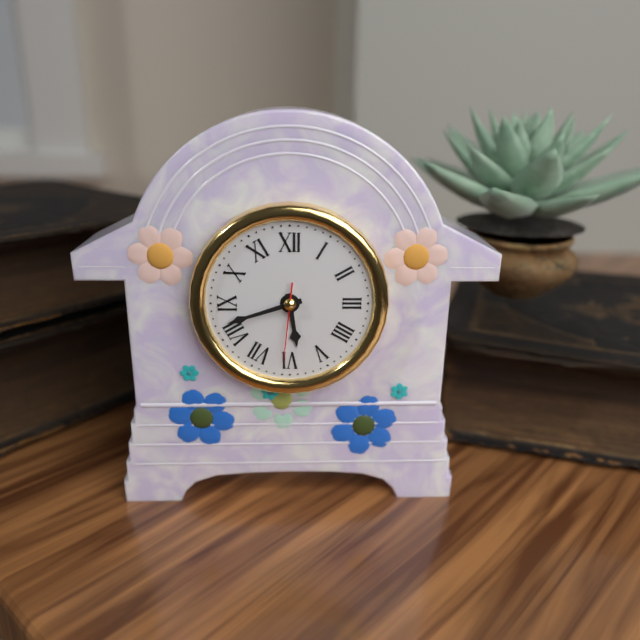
**5:42:31**
